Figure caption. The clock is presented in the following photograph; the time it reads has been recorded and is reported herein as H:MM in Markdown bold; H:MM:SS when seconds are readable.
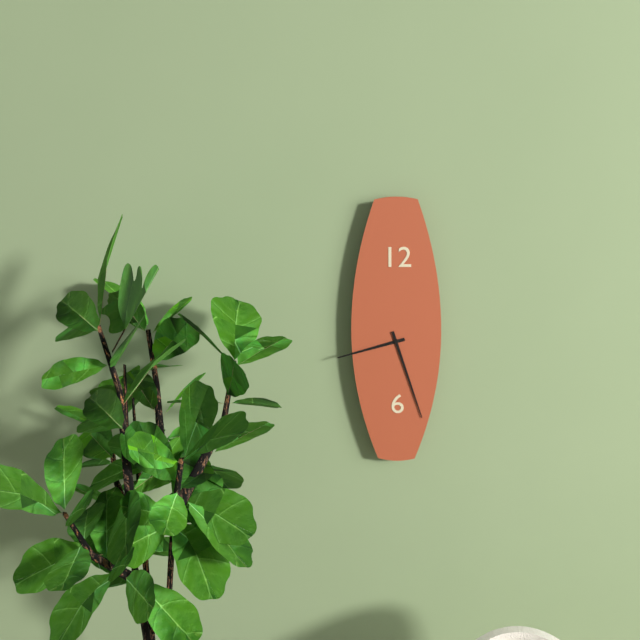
**8:27**
